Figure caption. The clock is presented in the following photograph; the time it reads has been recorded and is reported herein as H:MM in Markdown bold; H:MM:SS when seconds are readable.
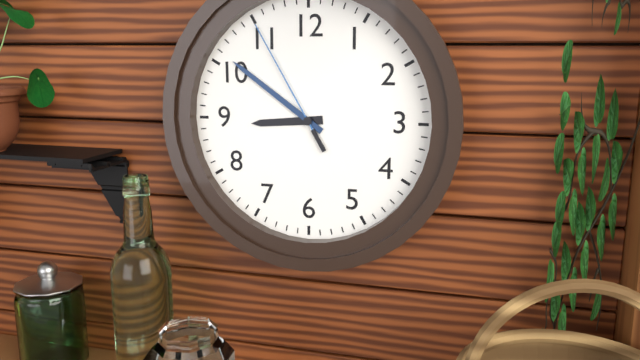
**8:51:55**
